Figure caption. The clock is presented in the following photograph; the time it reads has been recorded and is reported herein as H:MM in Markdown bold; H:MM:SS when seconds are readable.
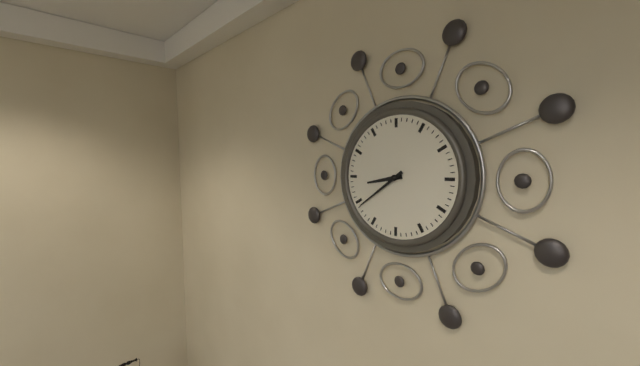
**8:39**
